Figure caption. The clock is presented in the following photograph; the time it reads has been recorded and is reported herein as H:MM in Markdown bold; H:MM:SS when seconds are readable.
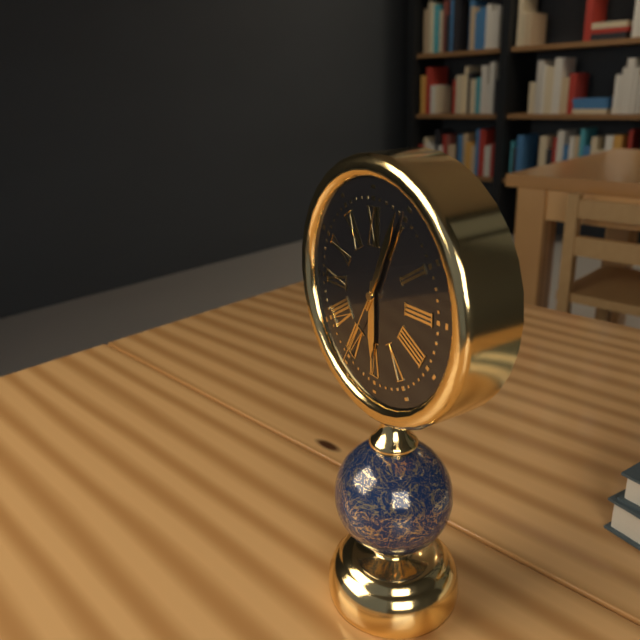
**6:04:35**
